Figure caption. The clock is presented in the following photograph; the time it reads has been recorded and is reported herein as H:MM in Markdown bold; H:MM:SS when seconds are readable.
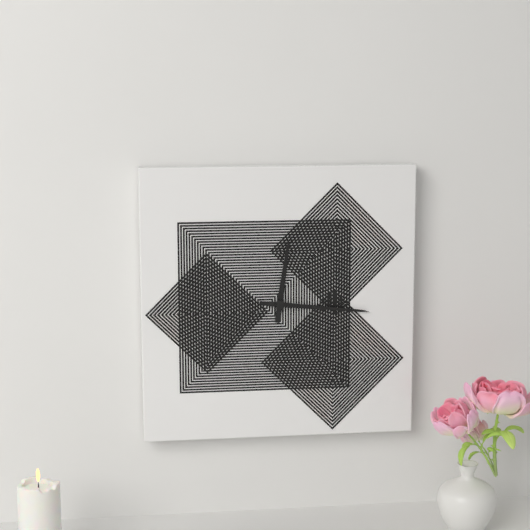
**12:16**
